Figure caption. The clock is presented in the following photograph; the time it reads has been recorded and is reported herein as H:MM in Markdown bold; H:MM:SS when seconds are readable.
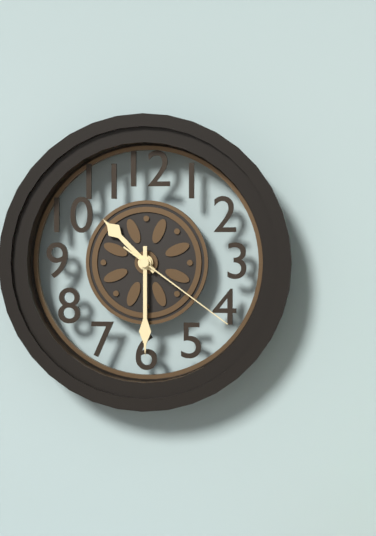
**10:30:21**
